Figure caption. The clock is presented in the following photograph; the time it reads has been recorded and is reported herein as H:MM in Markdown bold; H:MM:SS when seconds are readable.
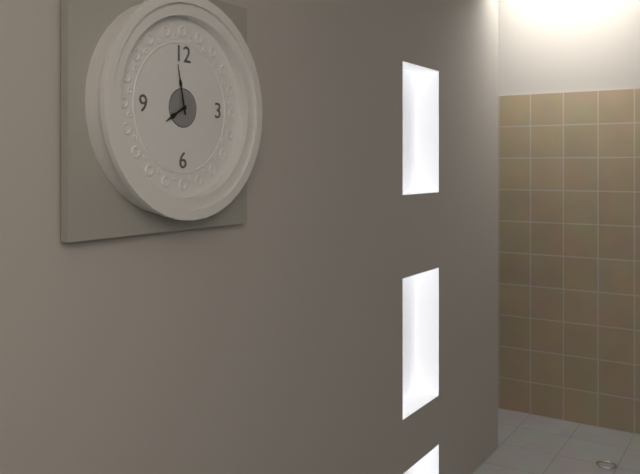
**7:58**
